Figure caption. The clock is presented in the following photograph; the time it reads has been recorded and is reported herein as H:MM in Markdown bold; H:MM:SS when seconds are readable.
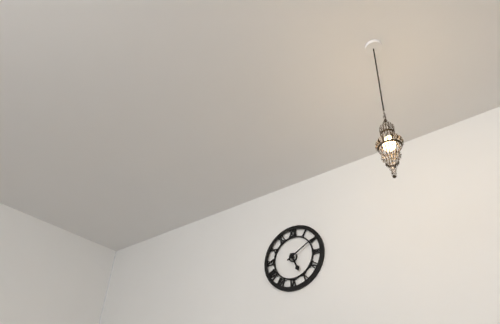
**5:10**
